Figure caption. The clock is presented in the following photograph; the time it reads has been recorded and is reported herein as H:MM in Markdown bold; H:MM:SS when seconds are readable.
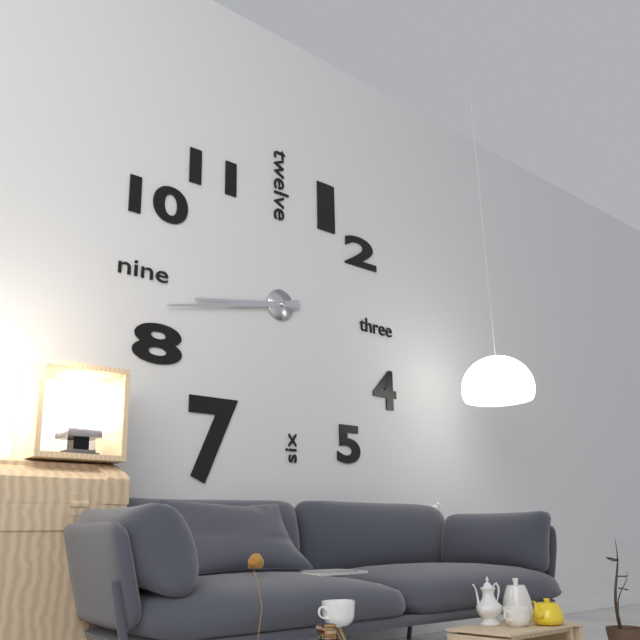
**8:43**
